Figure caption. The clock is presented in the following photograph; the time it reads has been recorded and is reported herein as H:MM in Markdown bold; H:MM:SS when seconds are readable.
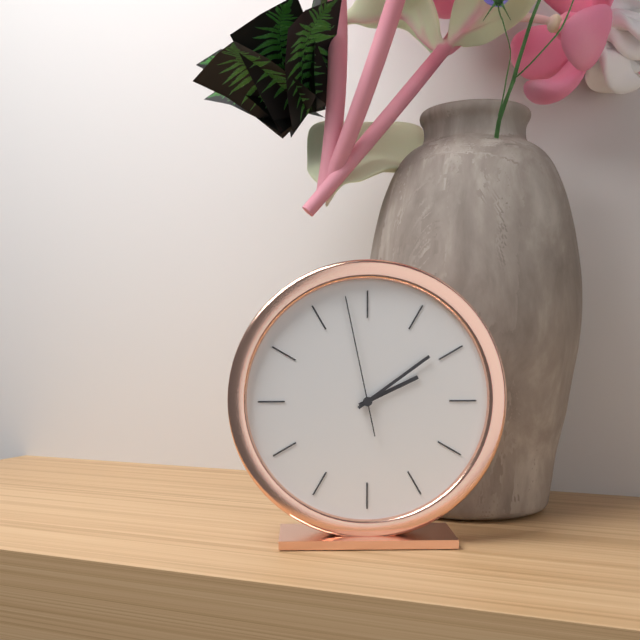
**2:09:58**
